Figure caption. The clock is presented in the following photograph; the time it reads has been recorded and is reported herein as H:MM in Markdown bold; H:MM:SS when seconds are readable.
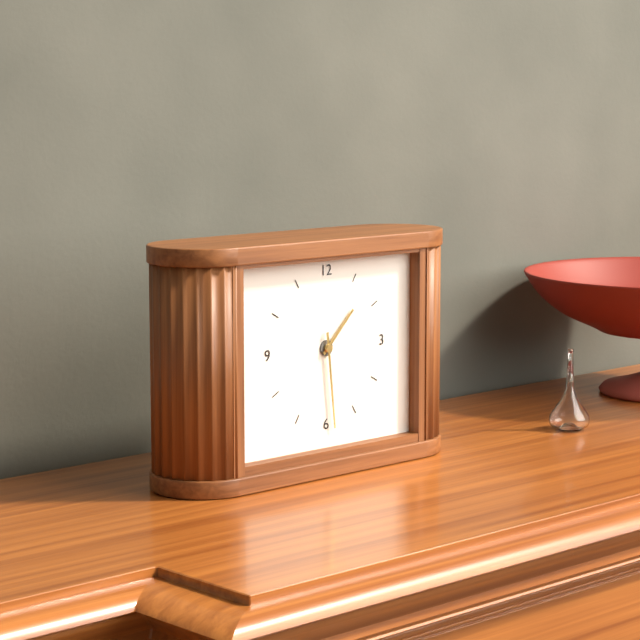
**1:29**
